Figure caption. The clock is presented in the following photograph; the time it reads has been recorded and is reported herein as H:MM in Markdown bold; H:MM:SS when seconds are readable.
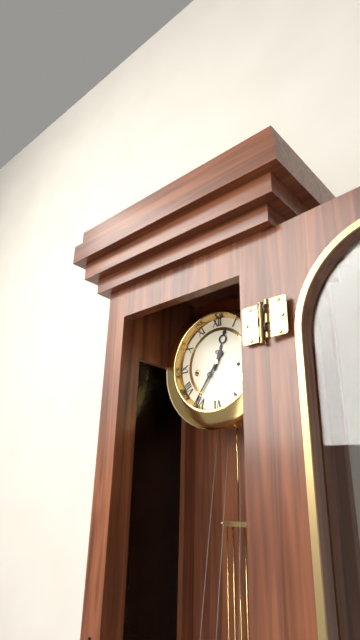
**12:36**
